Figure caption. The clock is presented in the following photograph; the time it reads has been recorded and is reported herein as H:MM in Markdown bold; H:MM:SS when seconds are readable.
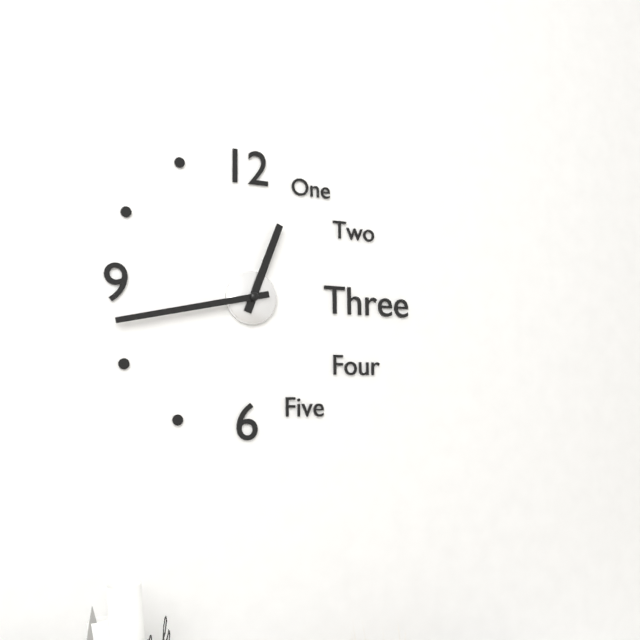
**12:43**
